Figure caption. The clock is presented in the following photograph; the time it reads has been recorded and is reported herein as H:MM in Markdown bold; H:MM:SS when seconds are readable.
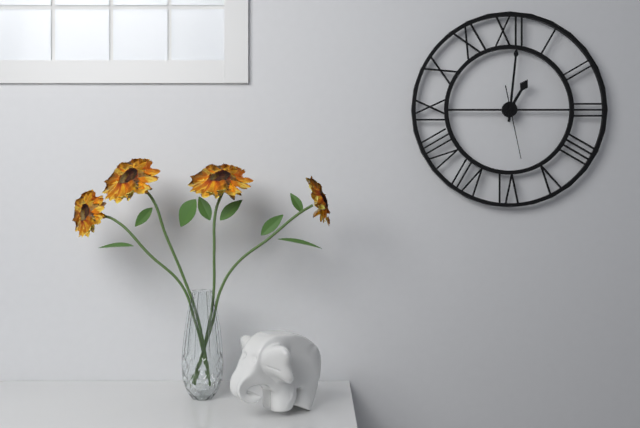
**1:01:28**
